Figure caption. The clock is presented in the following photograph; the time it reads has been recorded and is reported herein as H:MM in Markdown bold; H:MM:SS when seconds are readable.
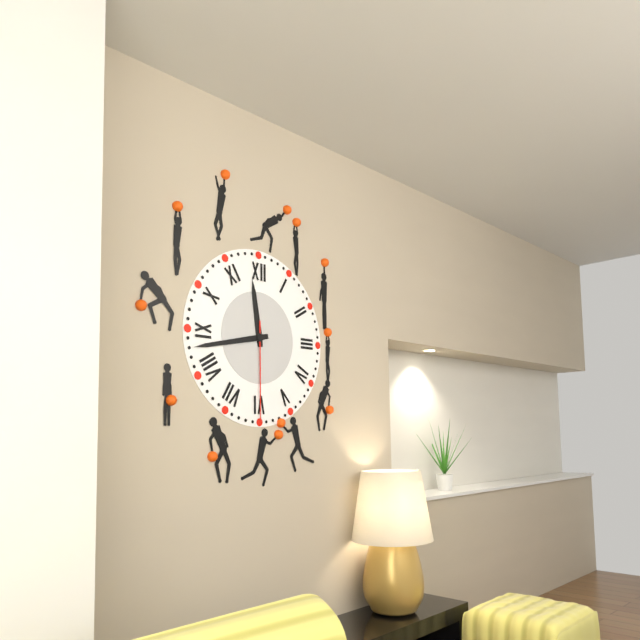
**11:43:30**
